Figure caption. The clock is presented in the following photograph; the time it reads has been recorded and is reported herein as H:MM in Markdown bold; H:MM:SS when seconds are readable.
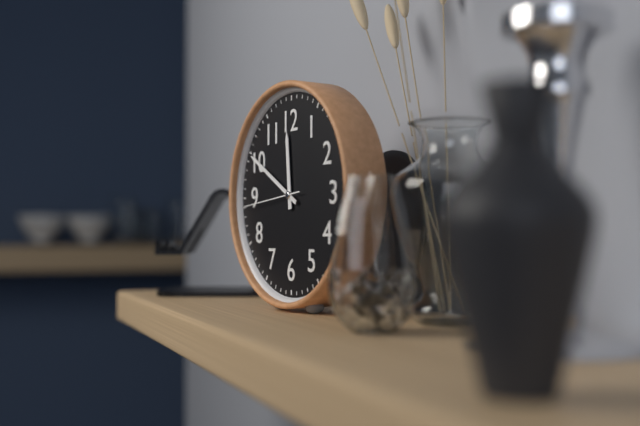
**11:50:44**
